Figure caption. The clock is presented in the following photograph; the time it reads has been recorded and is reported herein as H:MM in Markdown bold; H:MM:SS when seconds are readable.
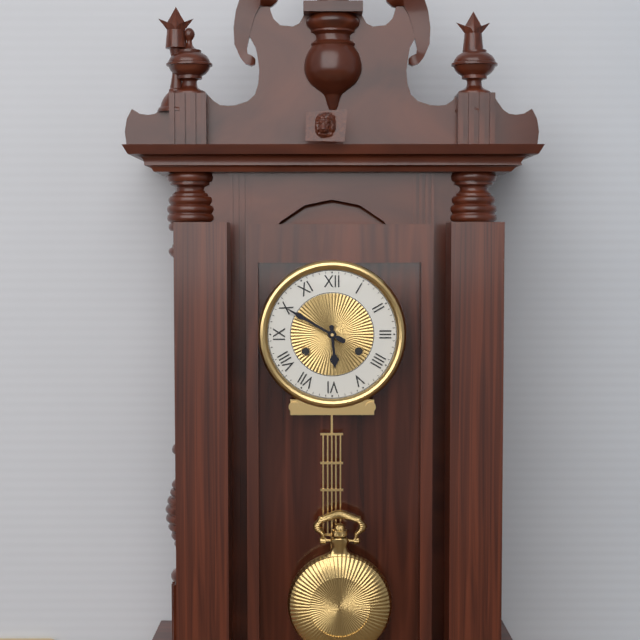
**5:50**
